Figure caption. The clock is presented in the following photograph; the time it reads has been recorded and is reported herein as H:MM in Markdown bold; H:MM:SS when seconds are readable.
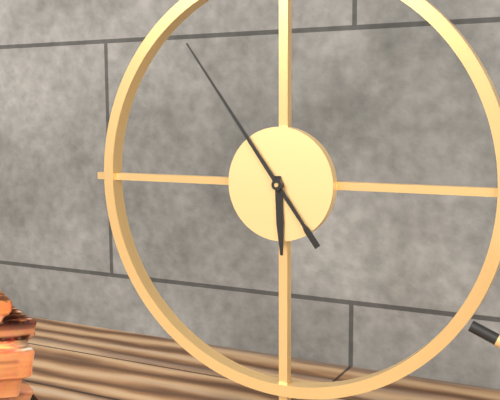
**5:54**
